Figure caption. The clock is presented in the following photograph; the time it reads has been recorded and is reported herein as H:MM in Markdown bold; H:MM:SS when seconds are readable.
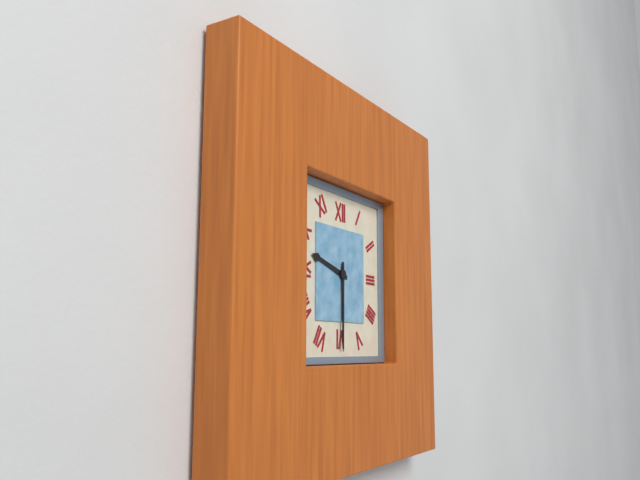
**9:30**
